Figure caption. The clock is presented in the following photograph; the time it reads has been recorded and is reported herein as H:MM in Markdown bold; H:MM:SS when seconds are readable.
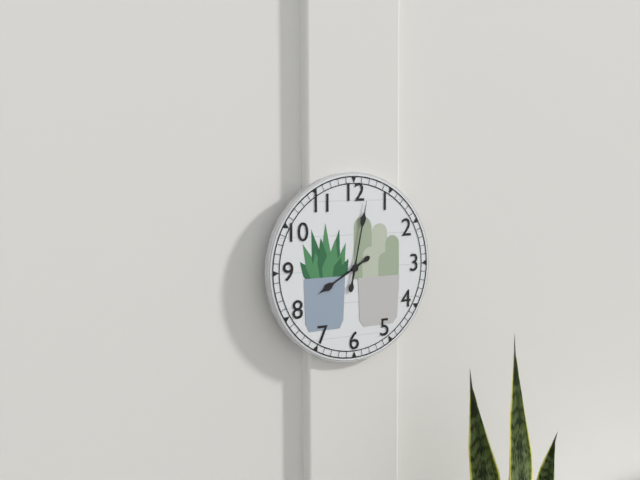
**8:02**
